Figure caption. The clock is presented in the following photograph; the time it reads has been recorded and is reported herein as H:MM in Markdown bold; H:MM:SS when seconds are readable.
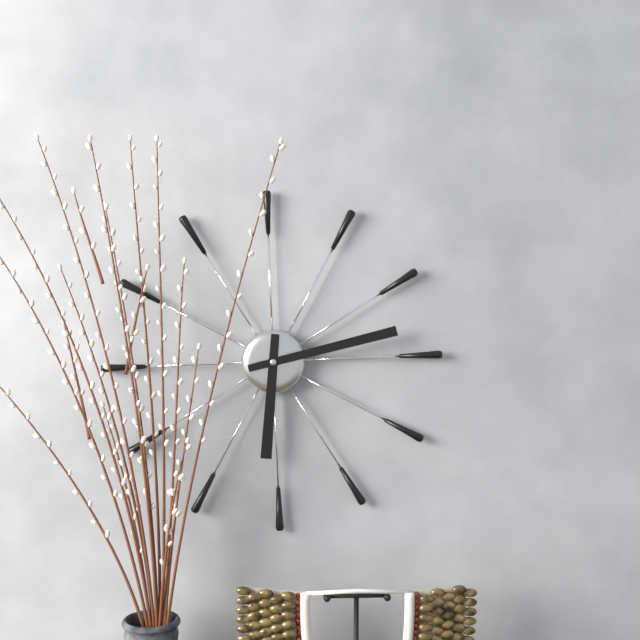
**6:13**
